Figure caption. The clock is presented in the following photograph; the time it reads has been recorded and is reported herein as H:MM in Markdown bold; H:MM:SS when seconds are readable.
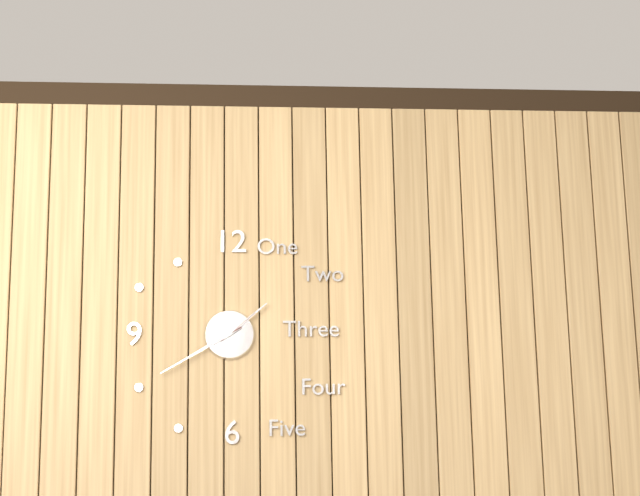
**1:40**
